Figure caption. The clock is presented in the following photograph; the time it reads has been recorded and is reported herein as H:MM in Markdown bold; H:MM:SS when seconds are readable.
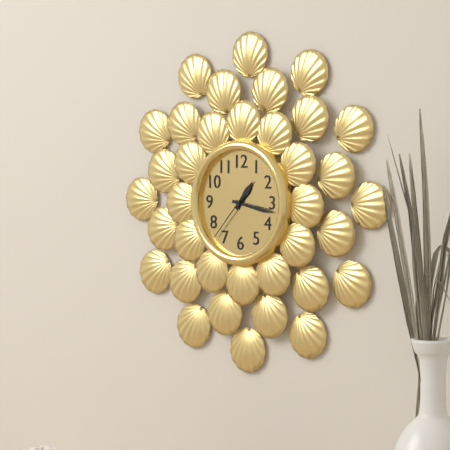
**1:17:37**
